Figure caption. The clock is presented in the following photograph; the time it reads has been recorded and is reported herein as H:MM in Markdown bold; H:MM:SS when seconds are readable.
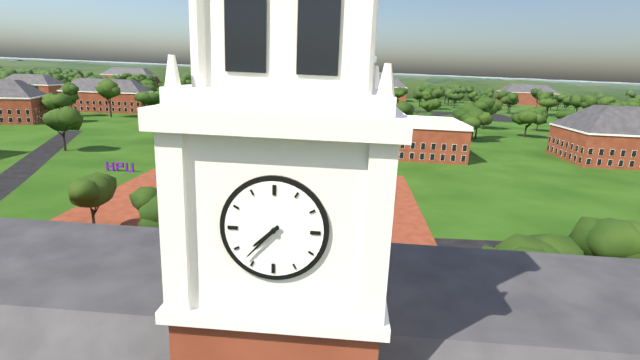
**7:37**
